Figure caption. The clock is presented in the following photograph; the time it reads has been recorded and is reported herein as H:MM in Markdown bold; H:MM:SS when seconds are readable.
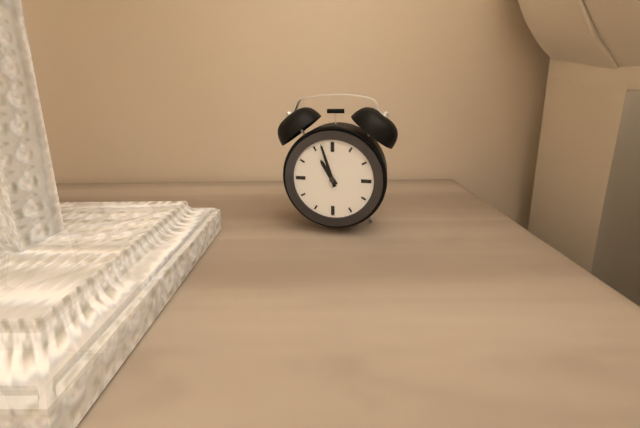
**10:57**
